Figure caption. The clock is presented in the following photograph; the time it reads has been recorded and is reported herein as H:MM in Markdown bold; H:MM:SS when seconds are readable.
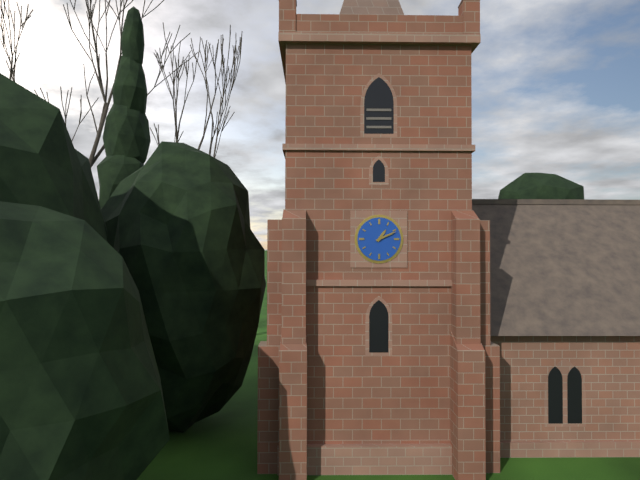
**1:11**
